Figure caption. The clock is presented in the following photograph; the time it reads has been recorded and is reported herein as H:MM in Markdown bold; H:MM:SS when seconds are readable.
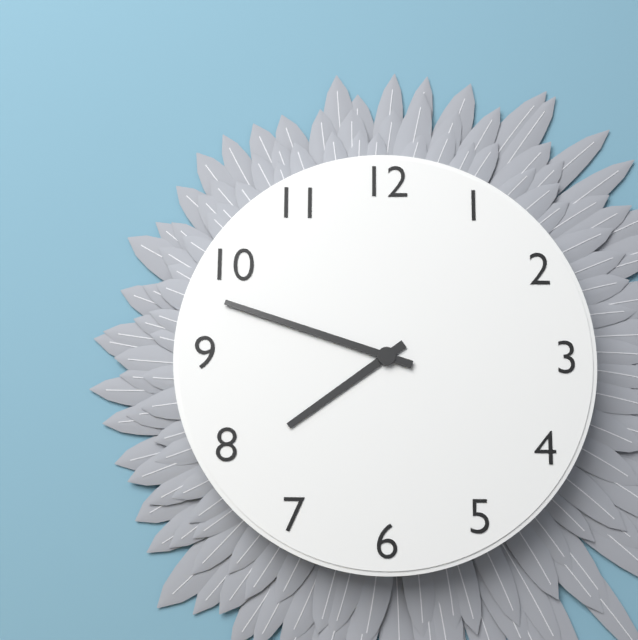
**7:48**
